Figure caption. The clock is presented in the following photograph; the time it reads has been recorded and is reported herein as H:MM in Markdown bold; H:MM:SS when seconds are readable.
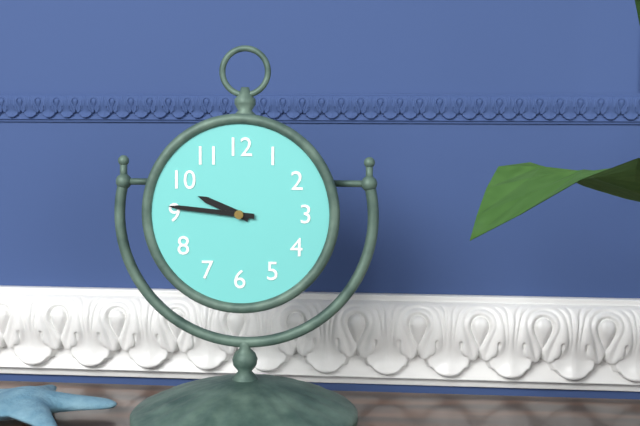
**9:46**
